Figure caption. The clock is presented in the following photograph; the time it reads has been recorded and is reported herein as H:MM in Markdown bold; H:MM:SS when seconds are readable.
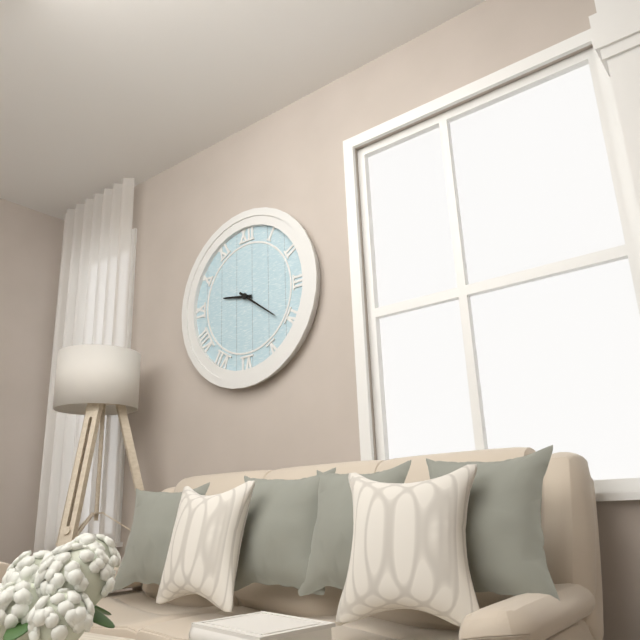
**9:21**
